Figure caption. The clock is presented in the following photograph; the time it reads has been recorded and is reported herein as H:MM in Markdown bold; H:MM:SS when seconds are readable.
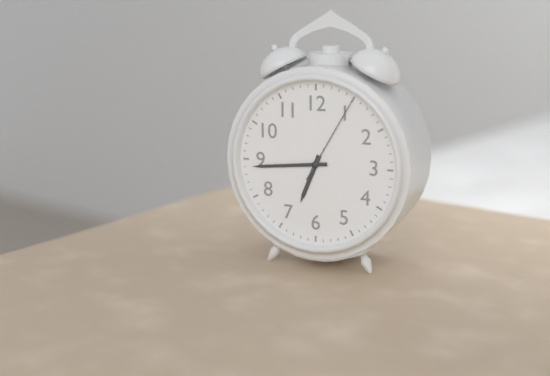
**6:44:05**
